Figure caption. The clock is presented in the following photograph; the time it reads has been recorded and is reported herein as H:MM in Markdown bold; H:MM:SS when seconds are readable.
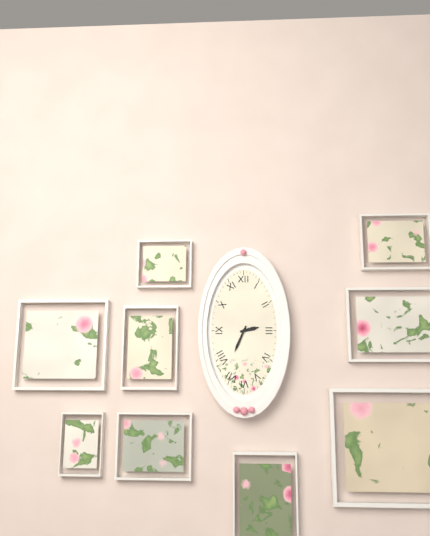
**2:34**
